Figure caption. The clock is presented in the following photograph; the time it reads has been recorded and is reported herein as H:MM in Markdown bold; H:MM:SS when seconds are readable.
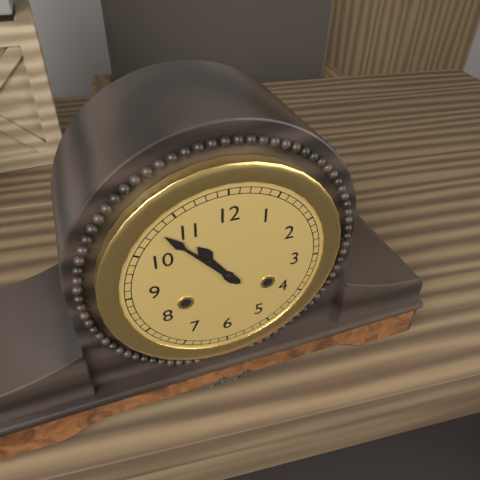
**10:53**
